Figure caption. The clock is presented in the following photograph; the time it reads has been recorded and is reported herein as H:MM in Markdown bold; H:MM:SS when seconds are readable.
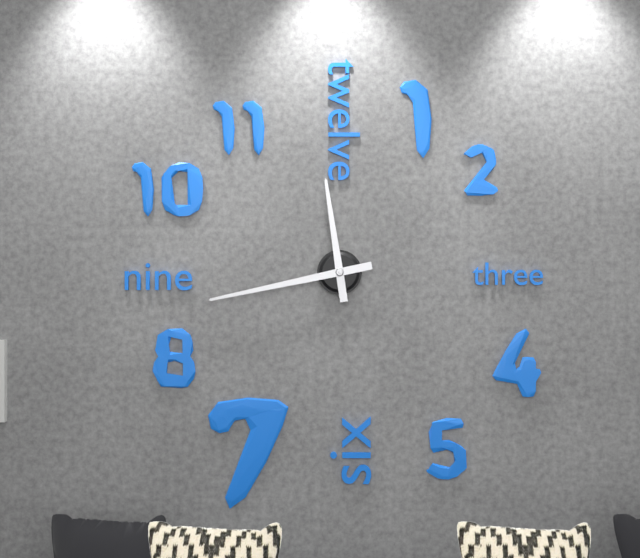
**11:43**
